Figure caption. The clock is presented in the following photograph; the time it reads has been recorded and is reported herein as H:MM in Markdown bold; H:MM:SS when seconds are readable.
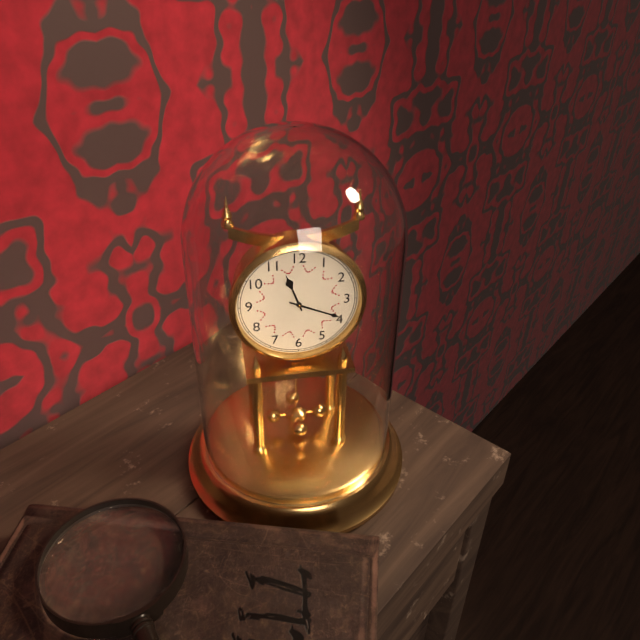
**11:19**
